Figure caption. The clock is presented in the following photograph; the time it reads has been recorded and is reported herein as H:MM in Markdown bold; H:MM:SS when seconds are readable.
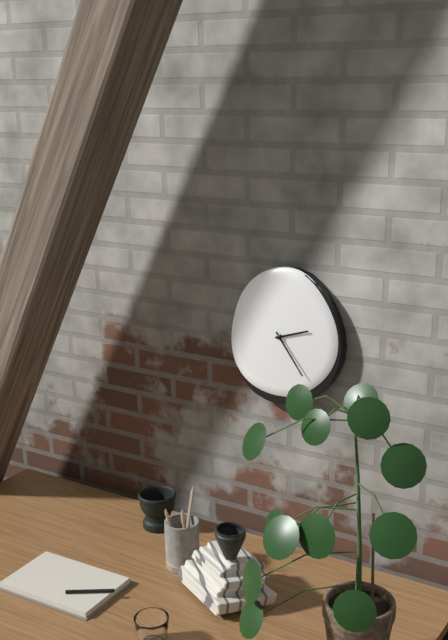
**2:24**
